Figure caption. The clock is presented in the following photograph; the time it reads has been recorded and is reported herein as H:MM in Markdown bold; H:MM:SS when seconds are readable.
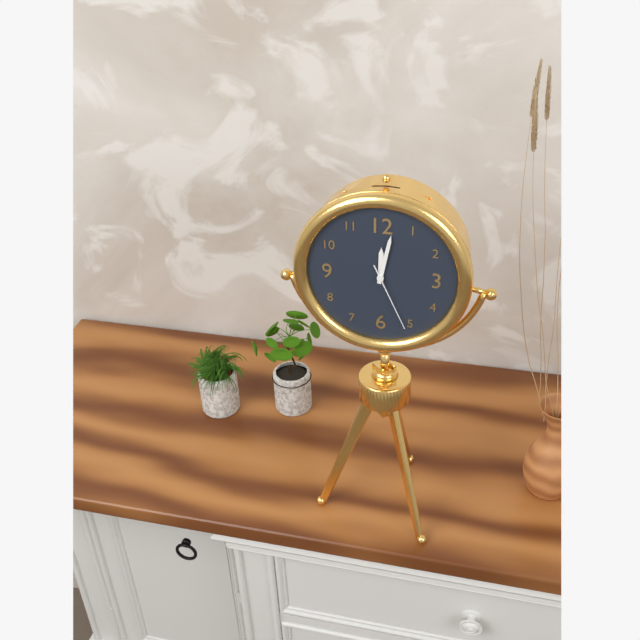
**12:02:26**
